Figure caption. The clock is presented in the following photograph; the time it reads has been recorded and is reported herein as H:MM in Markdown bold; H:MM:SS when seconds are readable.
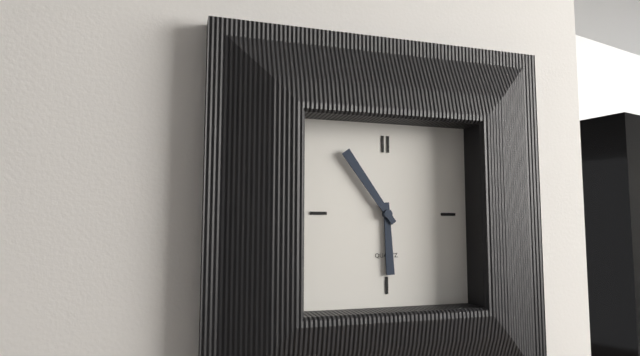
**5:54**
